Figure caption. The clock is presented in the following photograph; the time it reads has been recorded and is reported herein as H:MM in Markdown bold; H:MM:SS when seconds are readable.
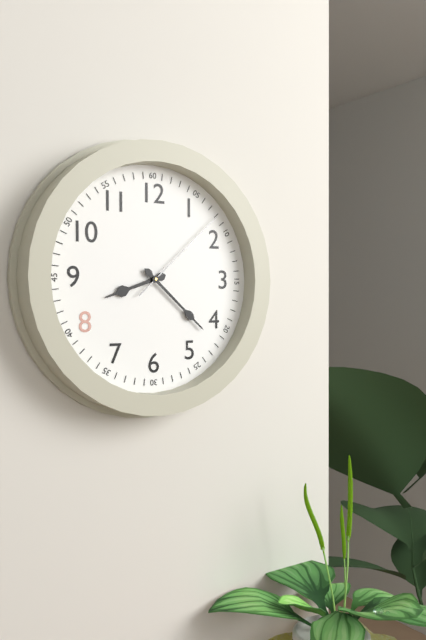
**8:22:08**
